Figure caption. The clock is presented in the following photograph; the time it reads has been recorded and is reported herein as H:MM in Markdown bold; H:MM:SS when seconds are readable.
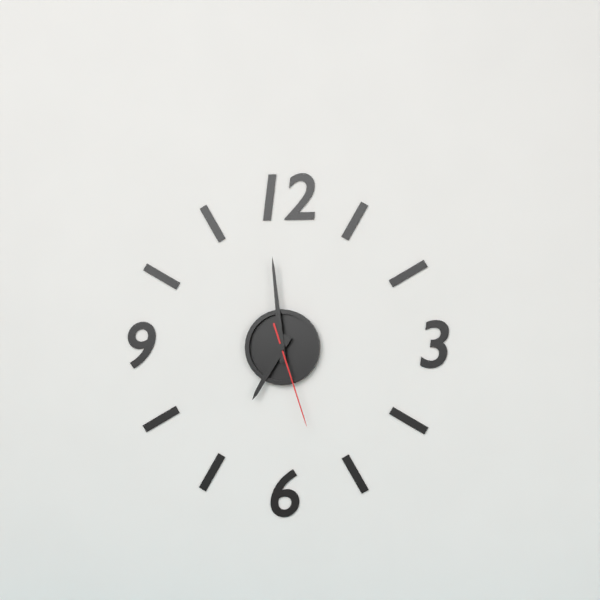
**6:59:27**
